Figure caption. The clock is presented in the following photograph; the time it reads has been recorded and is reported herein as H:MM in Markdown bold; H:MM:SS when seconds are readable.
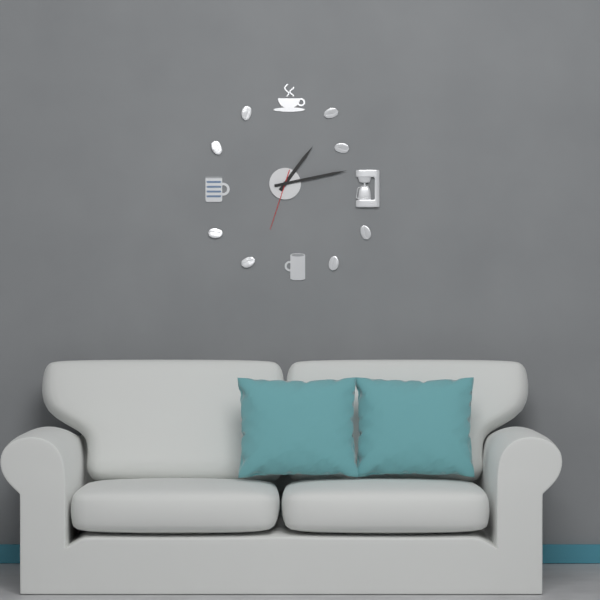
**1:13:33**
